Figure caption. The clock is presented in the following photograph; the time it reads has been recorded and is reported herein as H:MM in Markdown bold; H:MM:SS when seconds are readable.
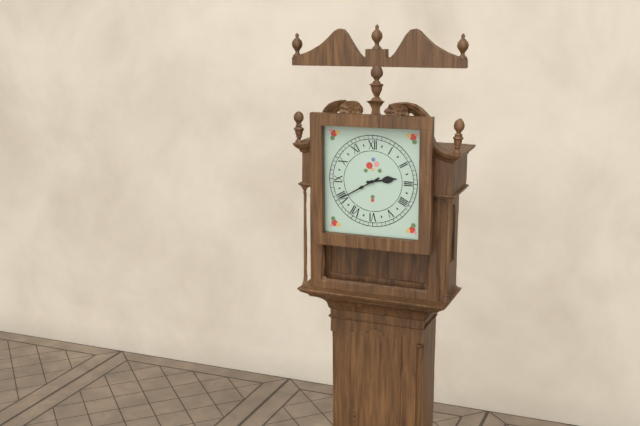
**2:40**
